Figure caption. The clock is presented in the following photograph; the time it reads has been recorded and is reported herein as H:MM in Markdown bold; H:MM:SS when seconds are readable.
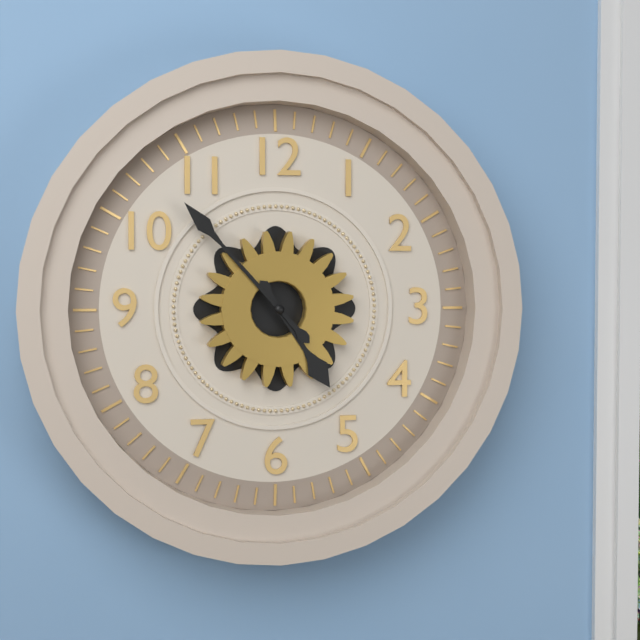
**4:53**
